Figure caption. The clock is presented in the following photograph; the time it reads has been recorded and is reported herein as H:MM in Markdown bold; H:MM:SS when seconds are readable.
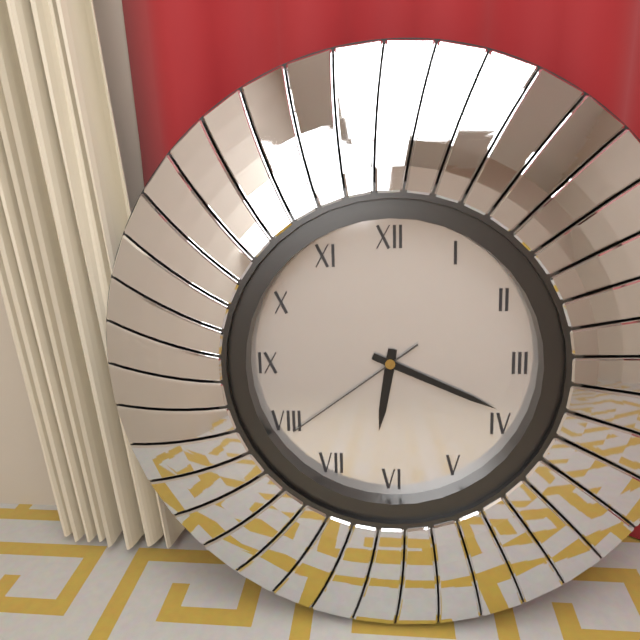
**6:19:39**
